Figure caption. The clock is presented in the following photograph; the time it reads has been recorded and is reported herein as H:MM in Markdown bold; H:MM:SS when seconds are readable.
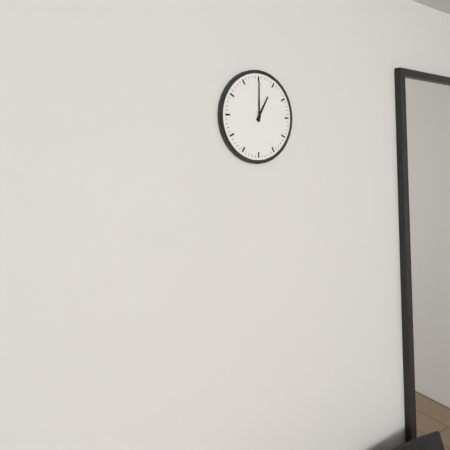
**1:00**
